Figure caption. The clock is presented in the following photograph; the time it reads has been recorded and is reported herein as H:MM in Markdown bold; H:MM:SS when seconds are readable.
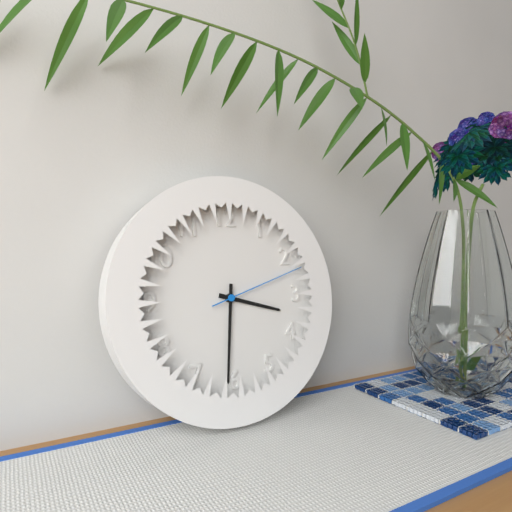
**3:31:12**
